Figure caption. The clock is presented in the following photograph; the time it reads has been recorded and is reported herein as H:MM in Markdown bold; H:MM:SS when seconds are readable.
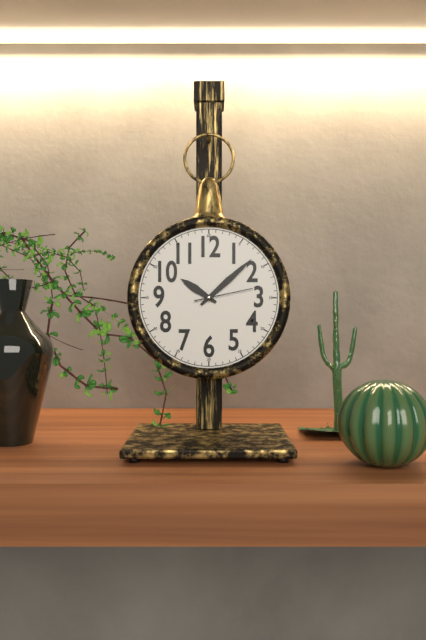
**10:08:13**
